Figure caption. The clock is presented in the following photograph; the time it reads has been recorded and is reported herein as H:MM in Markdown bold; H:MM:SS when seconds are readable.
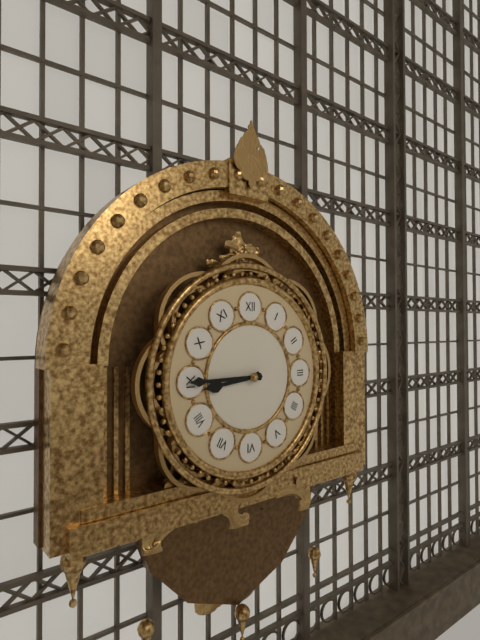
**8:45**
